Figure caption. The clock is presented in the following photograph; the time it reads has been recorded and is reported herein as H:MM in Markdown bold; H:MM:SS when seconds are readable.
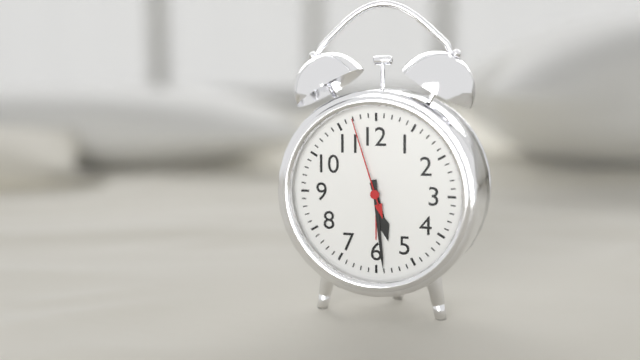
**5:29:57**
